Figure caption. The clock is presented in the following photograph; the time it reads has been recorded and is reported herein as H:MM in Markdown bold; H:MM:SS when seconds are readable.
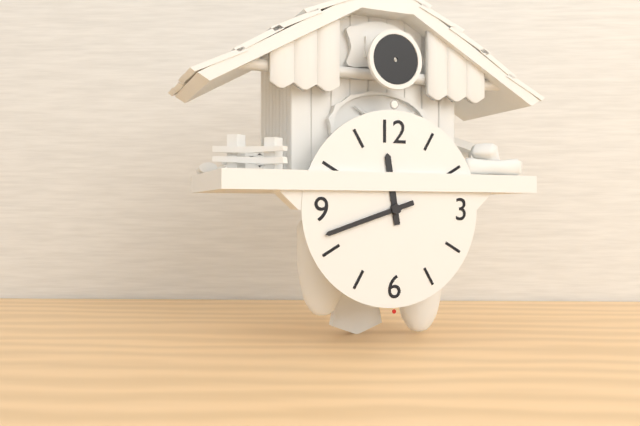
**11:42**
